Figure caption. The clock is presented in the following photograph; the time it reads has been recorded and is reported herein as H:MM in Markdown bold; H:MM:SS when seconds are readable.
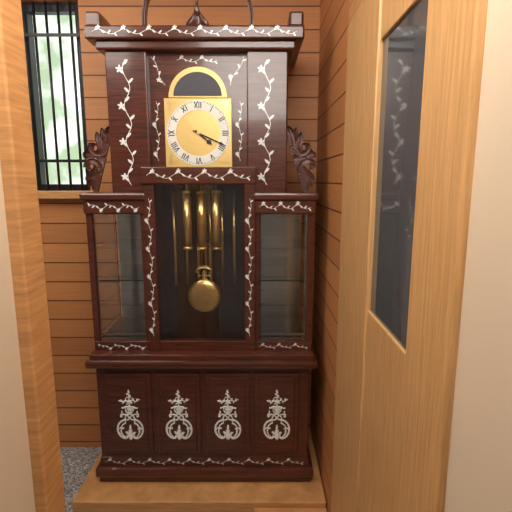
**4:19**
